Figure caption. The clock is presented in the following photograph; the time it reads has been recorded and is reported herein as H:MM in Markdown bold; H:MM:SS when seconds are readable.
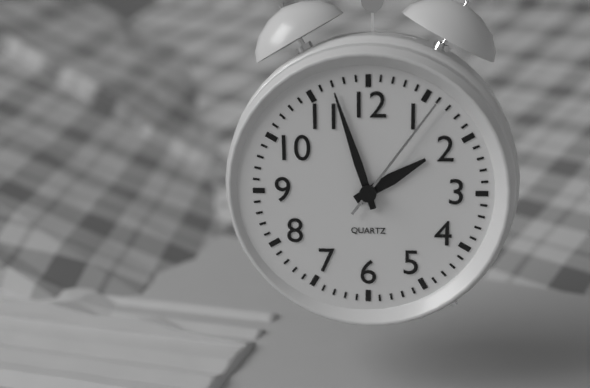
**1:57:06**
